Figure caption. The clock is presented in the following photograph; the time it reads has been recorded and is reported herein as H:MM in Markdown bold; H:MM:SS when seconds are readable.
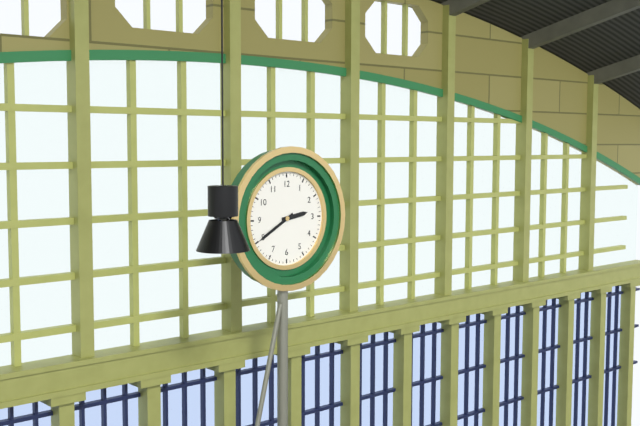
**2:40**
